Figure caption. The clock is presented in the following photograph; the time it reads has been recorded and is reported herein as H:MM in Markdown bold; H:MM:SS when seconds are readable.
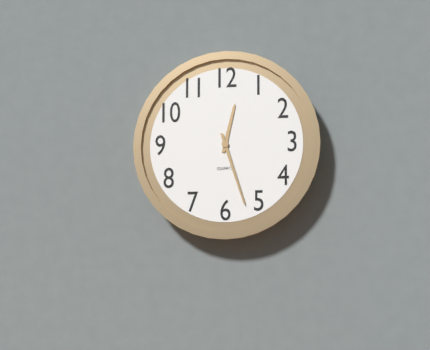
**12:27**
